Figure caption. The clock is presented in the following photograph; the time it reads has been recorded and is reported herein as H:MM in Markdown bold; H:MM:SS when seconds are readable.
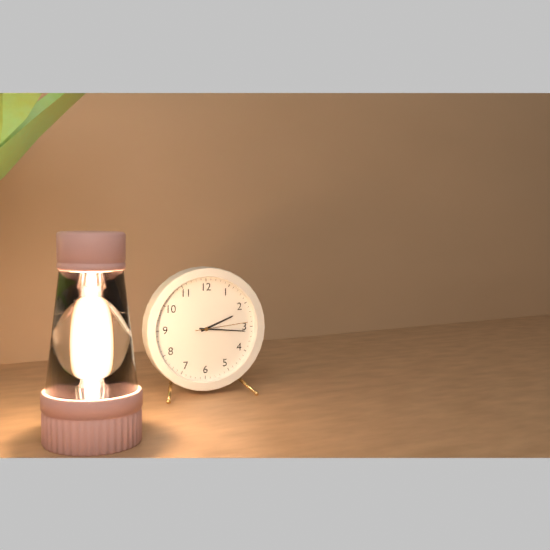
**2:16:14**
